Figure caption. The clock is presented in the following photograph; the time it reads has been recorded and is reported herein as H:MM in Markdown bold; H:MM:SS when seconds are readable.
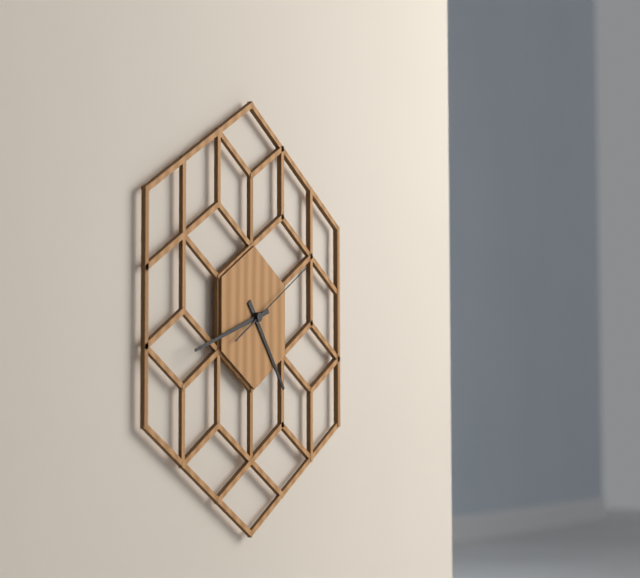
**4:42:10**
